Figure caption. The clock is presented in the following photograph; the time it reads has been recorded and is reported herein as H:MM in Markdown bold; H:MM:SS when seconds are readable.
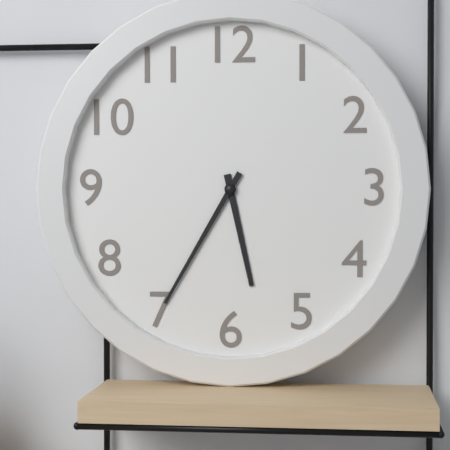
**5:35**
